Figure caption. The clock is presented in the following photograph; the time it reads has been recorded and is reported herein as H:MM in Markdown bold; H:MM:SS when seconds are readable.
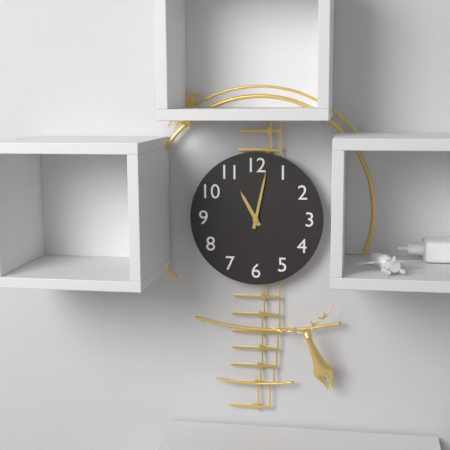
**11:02**
